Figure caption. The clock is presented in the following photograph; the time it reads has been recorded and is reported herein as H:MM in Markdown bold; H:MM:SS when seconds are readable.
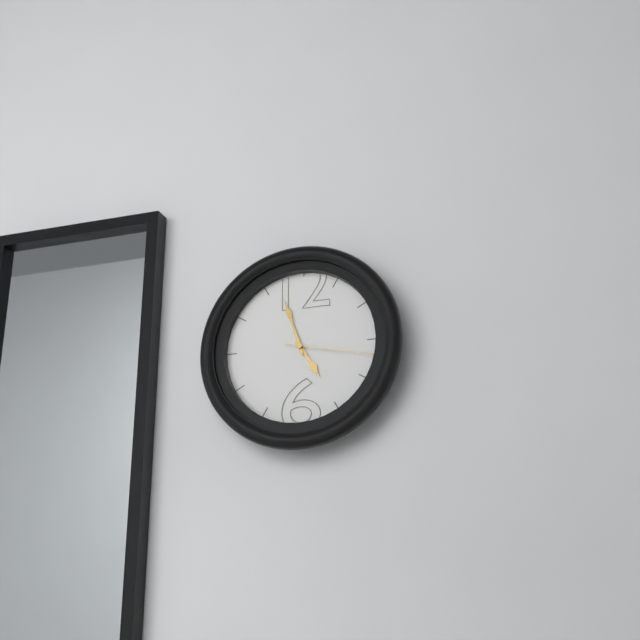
**4:57:17**
